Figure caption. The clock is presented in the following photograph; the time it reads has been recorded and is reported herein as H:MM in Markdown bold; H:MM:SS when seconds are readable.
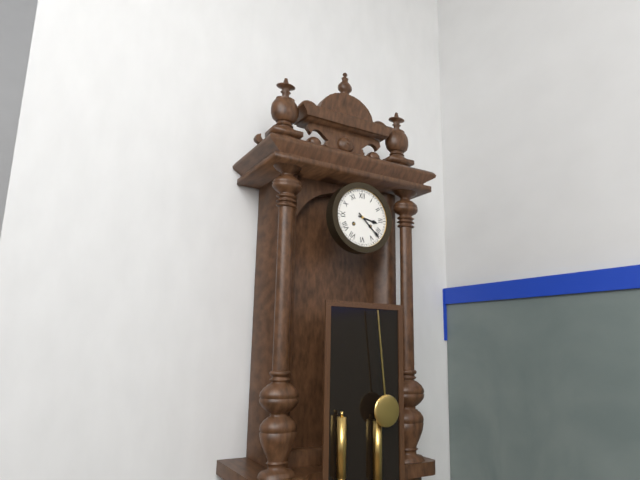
**3:22**
